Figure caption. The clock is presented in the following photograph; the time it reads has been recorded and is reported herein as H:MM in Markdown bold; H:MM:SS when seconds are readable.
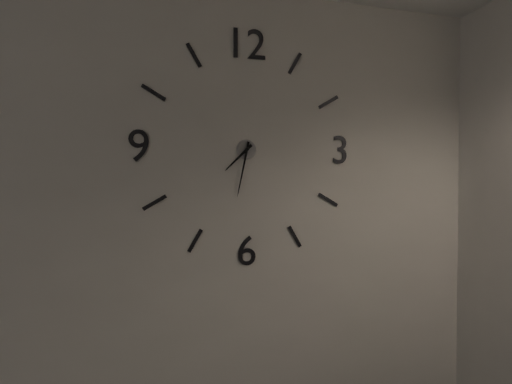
**7:32**
